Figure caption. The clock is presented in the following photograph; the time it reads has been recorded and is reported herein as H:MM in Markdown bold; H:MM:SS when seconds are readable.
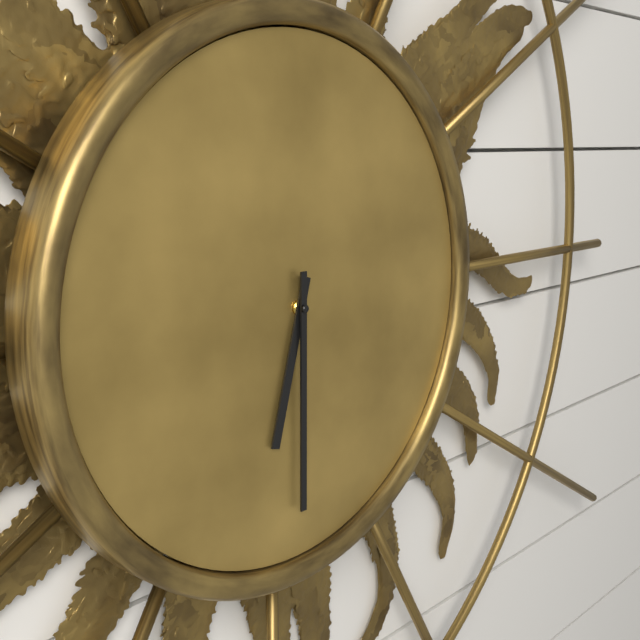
**6:30**
